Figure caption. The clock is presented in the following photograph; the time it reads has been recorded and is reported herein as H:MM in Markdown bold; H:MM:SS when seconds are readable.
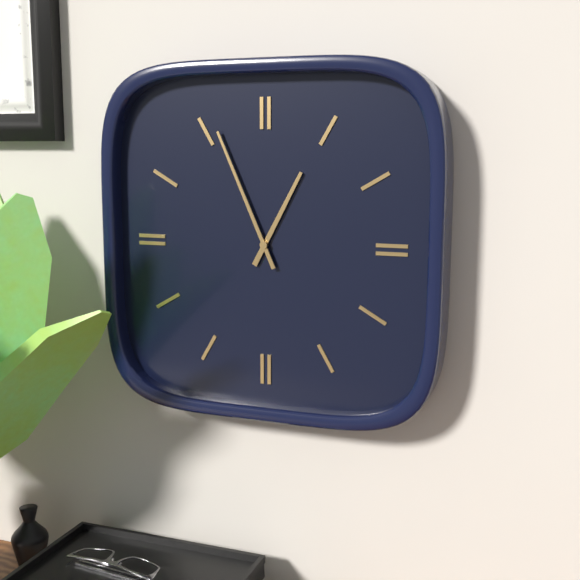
**12:56**
